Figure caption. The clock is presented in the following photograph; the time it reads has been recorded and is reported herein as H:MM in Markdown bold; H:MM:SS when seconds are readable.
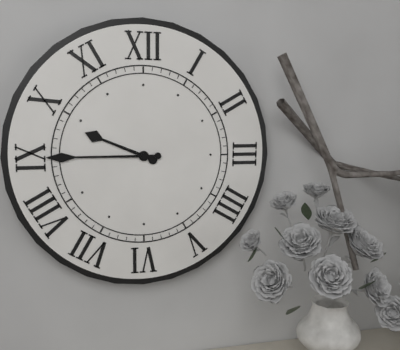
**9:45**
